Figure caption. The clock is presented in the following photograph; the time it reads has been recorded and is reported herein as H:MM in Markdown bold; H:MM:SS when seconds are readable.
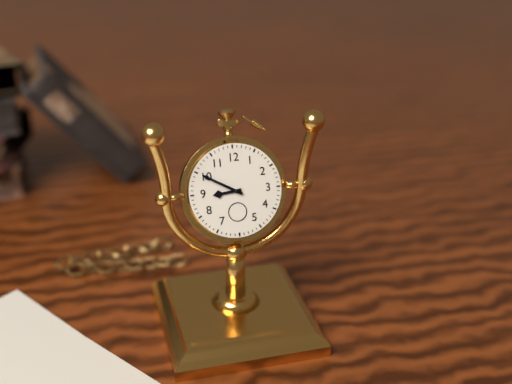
**8:50**
